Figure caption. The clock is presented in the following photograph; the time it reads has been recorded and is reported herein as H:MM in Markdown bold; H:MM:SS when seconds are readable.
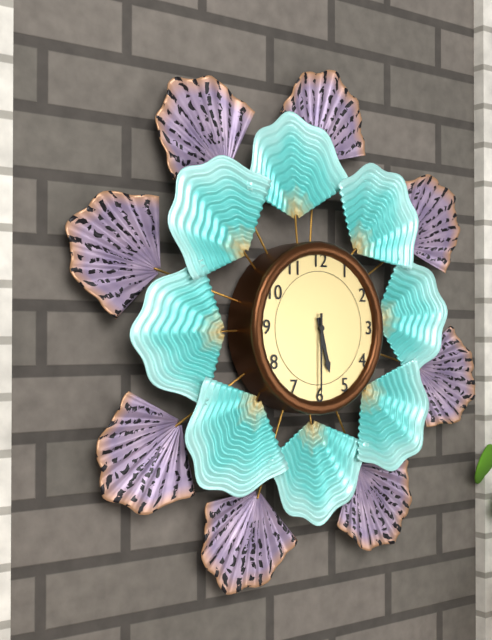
**5:30**
